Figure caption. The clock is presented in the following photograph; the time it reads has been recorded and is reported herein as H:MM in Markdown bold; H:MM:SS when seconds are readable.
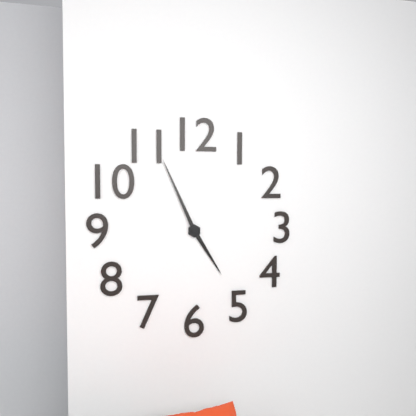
**4:56**
